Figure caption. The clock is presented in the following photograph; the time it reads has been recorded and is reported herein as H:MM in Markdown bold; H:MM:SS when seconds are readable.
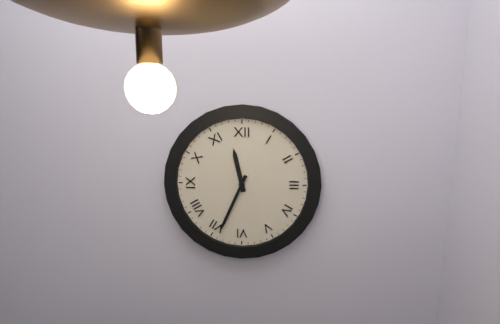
**11:34**
